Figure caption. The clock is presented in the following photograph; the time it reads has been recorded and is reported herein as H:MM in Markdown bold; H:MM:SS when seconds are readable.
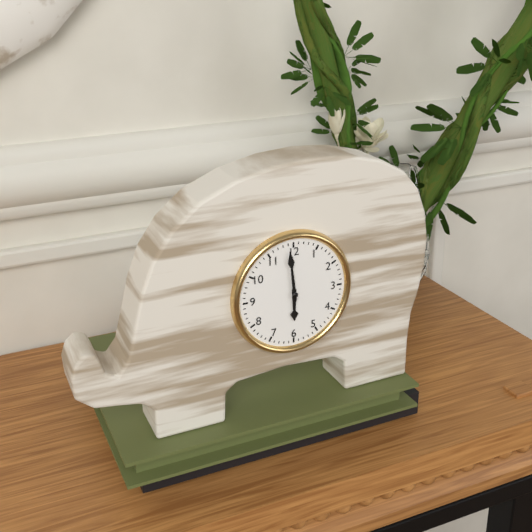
**5:59**
